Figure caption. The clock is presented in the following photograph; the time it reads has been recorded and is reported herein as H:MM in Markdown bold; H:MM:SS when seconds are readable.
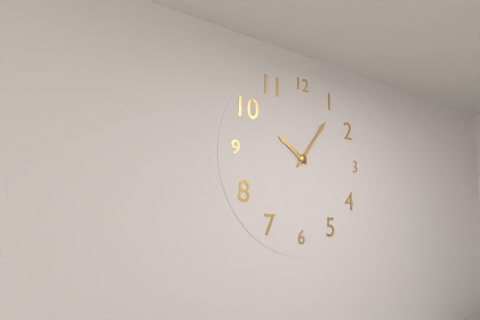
**10:06**
